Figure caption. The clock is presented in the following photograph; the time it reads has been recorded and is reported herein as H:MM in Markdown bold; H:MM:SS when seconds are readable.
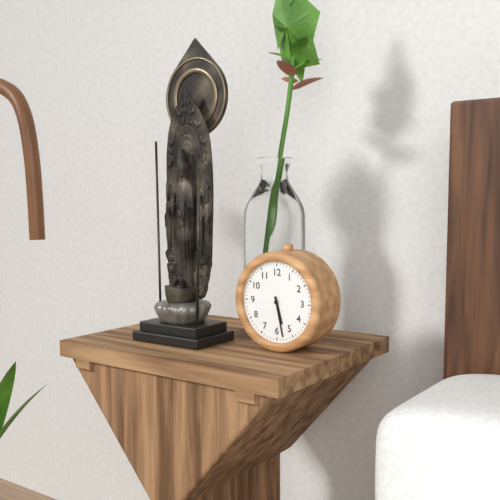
**5:28**
